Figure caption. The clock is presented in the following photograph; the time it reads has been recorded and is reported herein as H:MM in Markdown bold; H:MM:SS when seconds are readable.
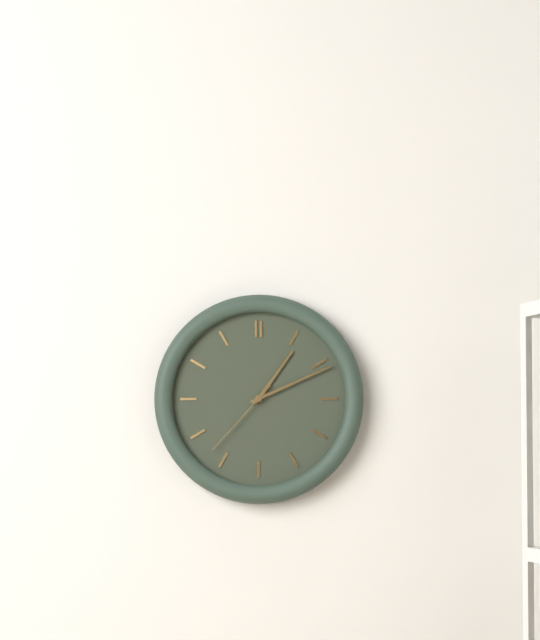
**1:11:37**
